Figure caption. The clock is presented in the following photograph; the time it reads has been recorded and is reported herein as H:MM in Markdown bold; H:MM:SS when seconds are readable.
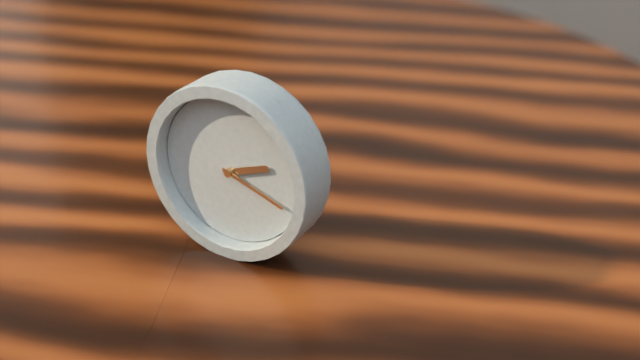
**2:18**
